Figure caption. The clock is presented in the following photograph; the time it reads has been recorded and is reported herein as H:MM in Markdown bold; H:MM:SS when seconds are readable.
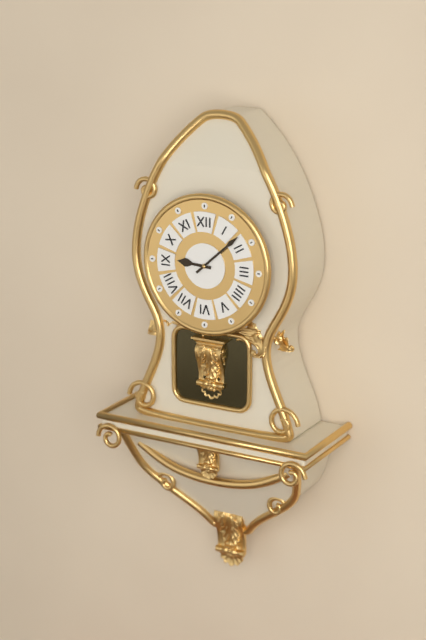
**9:08**
